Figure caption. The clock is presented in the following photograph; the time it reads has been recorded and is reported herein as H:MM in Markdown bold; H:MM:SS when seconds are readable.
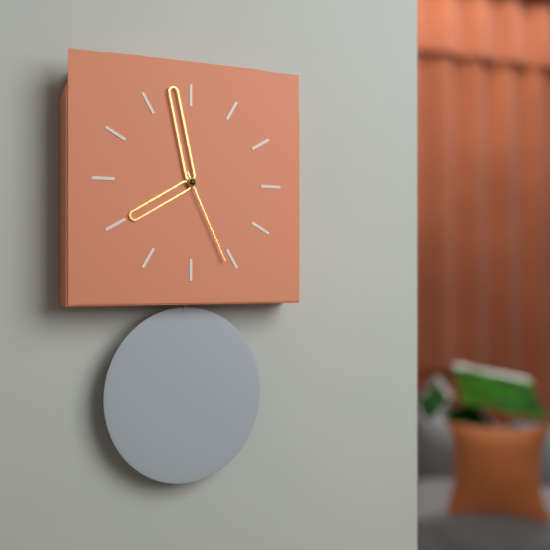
**7:58:26**
